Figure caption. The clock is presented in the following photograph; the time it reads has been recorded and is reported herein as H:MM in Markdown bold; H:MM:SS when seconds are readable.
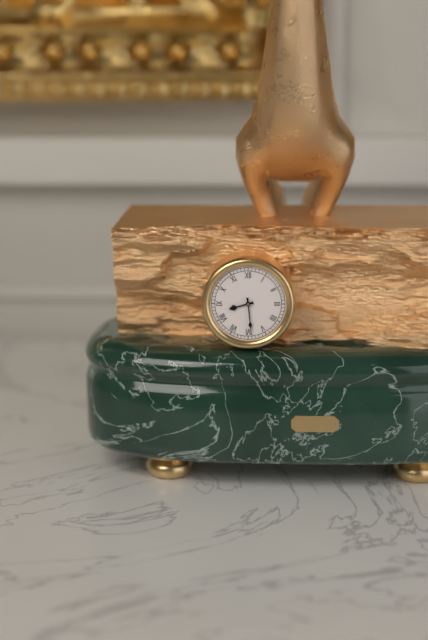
**8:29**
